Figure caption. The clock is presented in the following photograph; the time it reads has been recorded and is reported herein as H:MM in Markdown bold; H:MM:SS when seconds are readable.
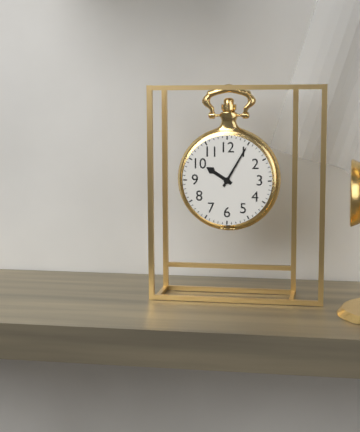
**10:05**
